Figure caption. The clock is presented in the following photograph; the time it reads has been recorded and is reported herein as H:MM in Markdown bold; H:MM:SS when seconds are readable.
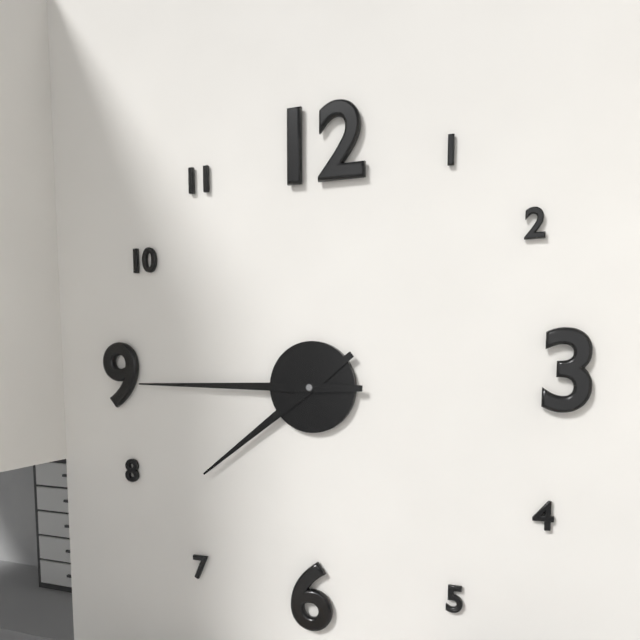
**7:45**
